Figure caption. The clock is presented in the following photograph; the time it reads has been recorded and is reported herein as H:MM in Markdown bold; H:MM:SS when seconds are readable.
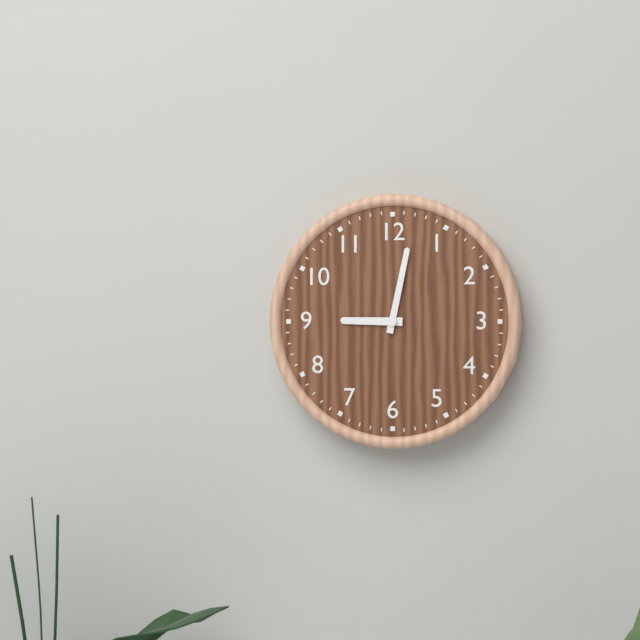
**9:02**
